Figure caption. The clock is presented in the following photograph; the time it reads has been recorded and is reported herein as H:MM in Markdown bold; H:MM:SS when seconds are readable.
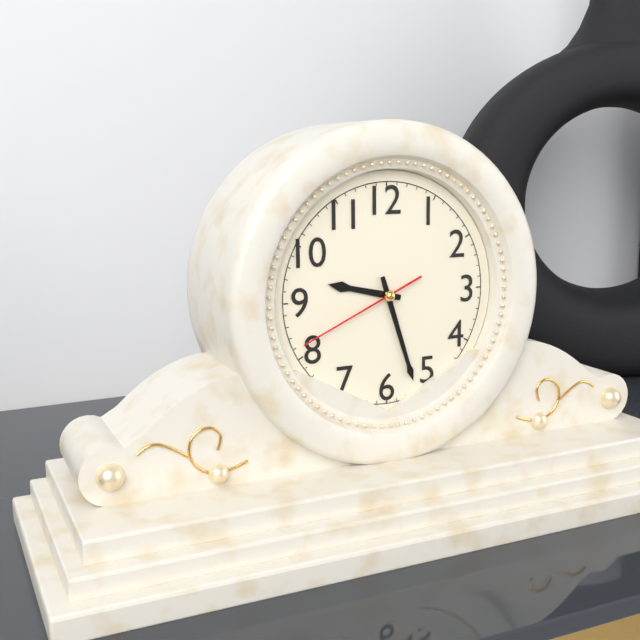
**9:27:41**
